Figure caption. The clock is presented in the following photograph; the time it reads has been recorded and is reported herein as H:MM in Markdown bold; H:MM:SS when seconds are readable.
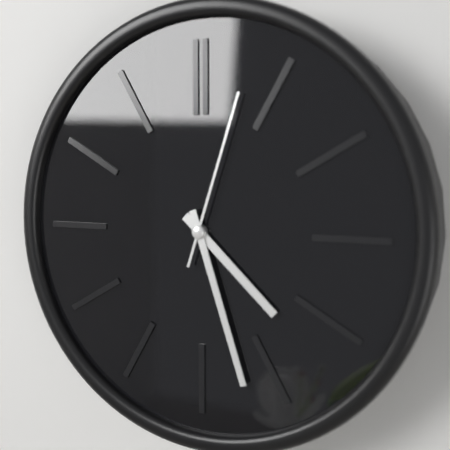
**4:27:03**
